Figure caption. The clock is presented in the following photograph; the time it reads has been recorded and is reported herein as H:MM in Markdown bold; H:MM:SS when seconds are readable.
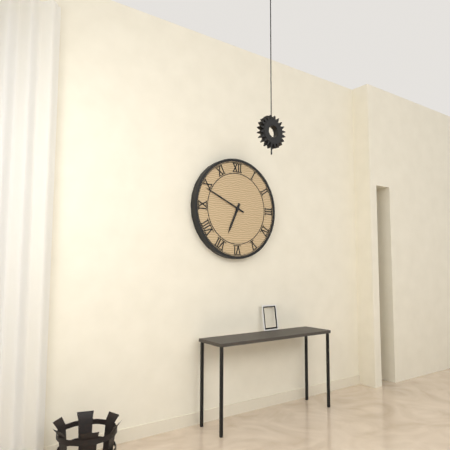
**6:49**
